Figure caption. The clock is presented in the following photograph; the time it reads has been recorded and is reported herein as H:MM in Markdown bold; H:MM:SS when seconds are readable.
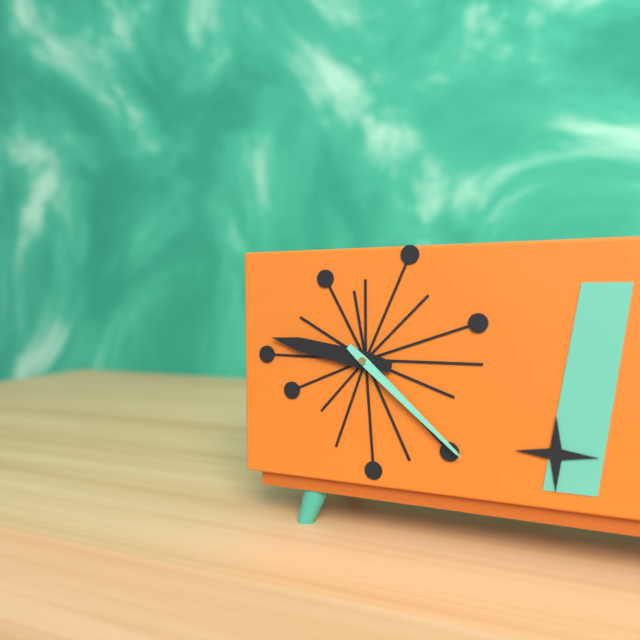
**9:22**
